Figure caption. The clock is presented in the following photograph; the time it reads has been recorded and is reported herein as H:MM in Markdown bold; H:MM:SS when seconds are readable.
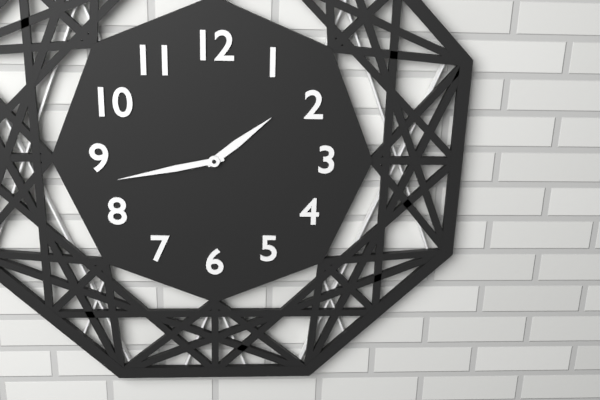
**1:43**
